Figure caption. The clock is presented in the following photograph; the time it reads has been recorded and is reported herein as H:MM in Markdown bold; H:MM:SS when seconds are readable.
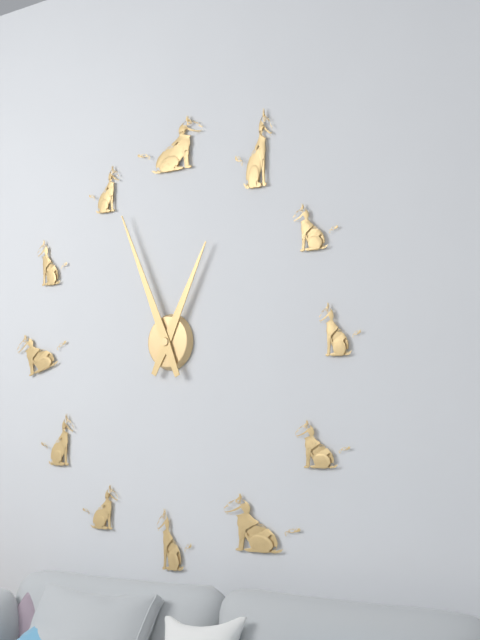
**12:56**
